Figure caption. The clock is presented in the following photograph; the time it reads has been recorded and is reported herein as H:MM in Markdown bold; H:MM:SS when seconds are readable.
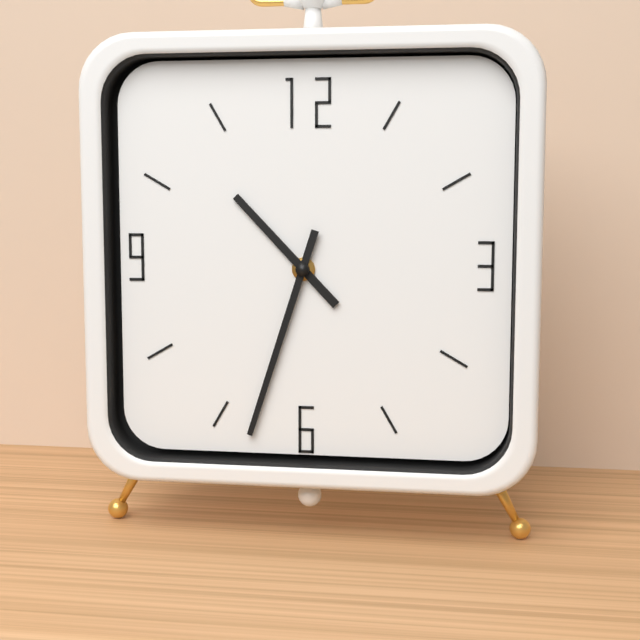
**10:33**
